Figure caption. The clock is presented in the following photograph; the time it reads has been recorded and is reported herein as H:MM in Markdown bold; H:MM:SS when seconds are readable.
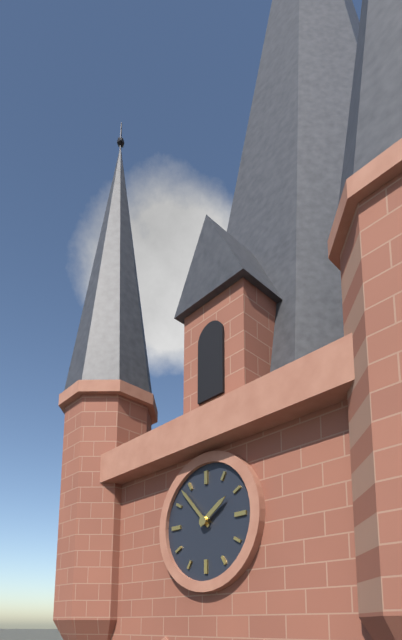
**1:53**
